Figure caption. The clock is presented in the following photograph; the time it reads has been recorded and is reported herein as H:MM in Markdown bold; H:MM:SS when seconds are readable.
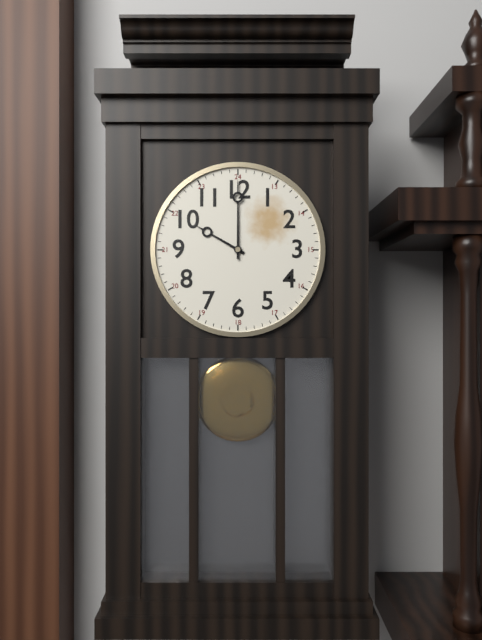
**10:00**
